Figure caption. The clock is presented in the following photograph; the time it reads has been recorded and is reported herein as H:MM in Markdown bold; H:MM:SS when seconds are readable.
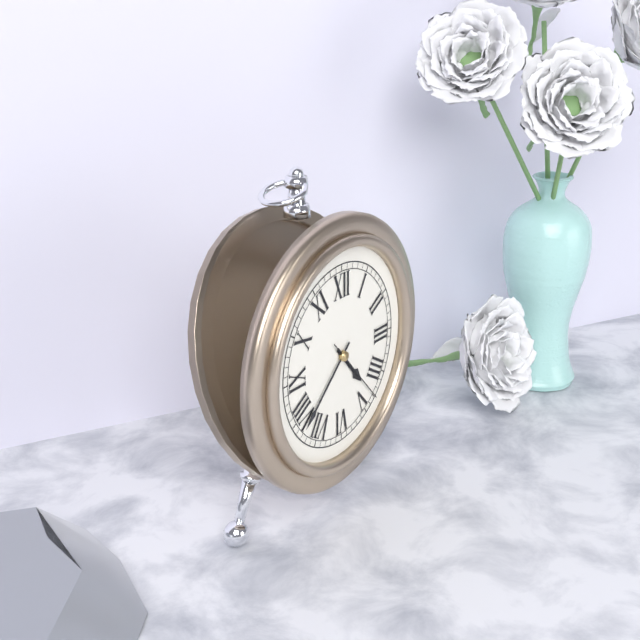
**4:38:23**
